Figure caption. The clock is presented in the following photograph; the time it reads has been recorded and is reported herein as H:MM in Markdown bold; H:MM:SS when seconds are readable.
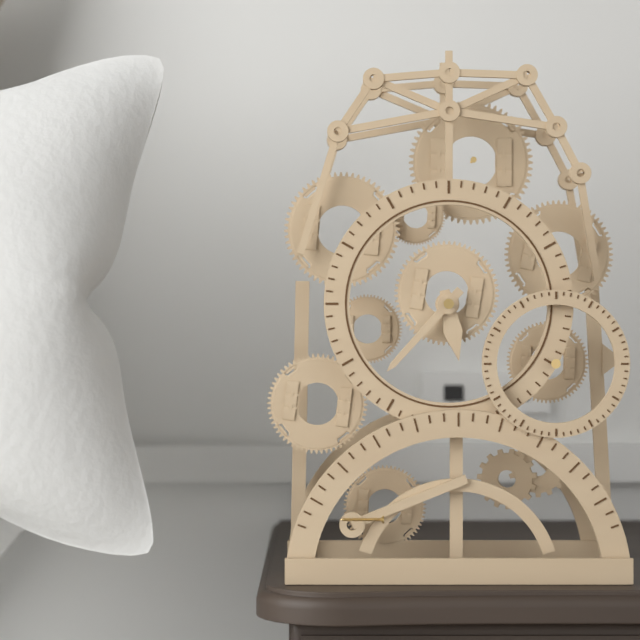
**5:37**
